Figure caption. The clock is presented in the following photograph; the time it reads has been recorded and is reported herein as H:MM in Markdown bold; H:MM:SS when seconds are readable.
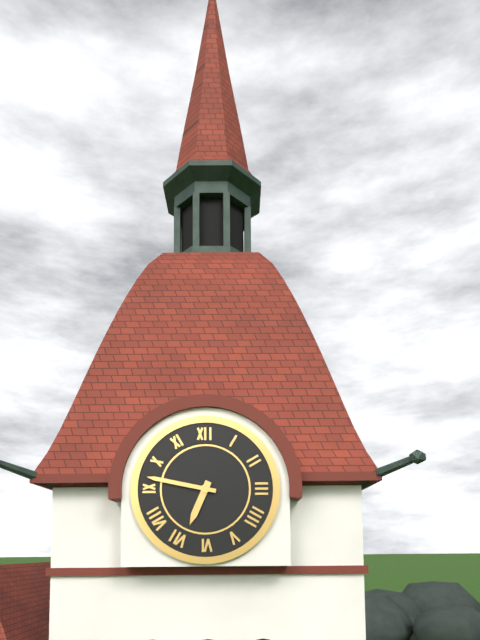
**6:47**
